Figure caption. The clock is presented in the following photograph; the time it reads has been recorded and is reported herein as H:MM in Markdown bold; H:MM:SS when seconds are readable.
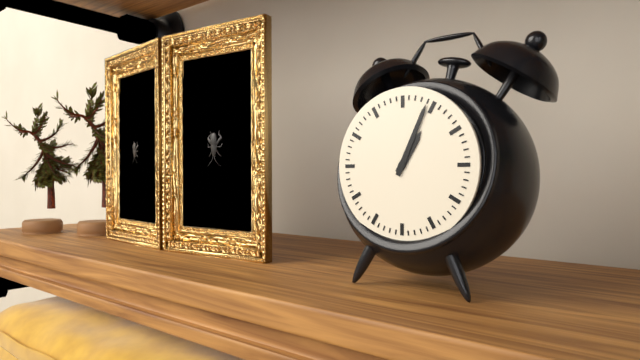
**1:04**
